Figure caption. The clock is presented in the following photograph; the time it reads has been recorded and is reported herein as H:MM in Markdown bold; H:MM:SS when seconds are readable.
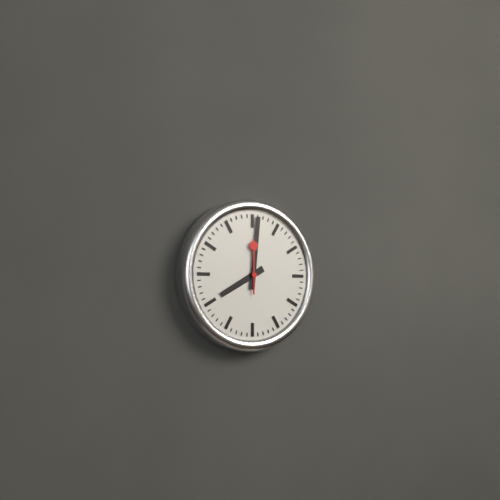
**8:01**
